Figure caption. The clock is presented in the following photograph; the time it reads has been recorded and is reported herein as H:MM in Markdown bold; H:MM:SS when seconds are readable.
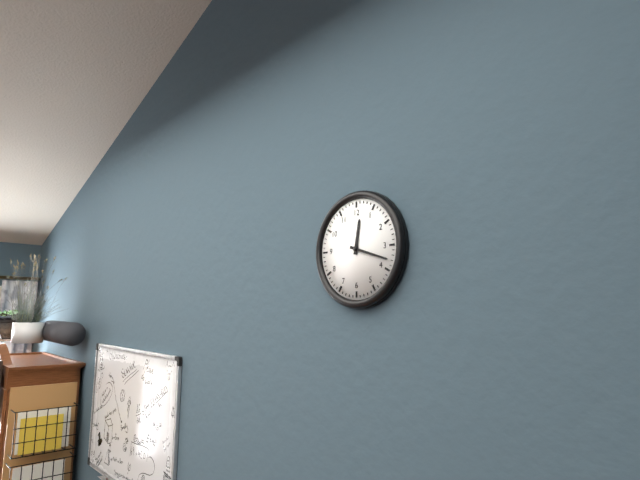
**12:18**
